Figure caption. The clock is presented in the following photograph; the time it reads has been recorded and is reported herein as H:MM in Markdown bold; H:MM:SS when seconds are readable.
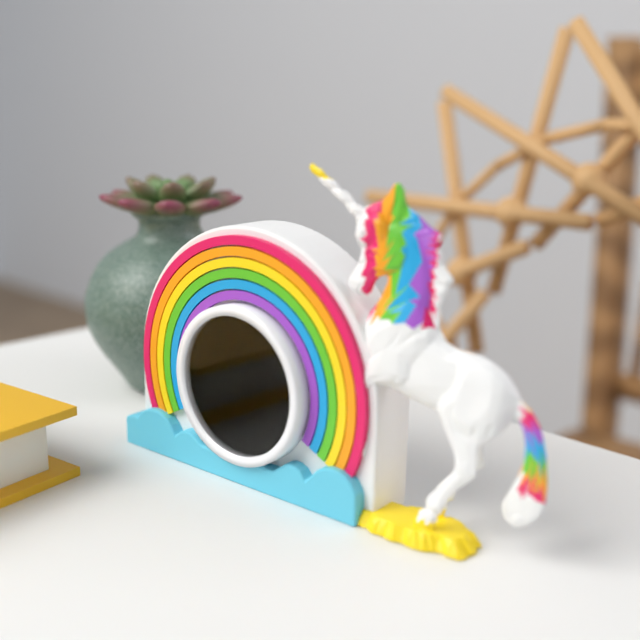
**8:27**
